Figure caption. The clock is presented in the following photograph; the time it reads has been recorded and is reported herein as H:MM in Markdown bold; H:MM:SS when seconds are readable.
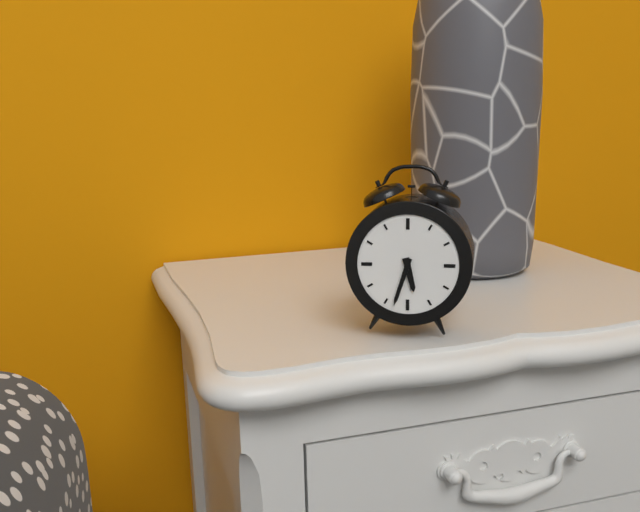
**5:33**
